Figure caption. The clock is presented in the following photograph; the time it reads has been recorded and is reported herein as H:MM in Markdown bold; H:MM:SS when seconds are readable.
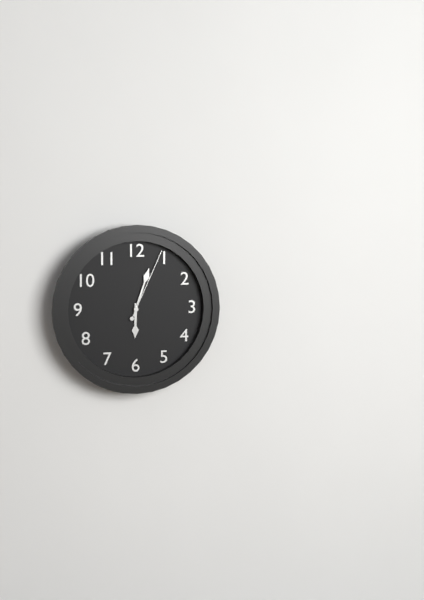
**6:03:04**
